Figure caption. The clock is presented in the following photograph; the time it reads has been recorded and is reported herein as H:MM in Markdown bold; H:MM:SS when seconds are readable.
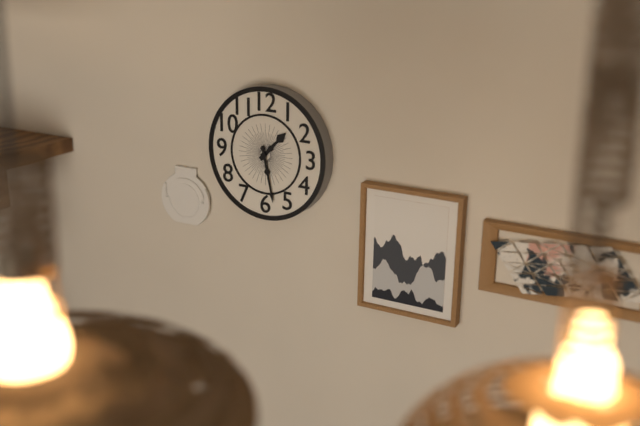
**1:28**
